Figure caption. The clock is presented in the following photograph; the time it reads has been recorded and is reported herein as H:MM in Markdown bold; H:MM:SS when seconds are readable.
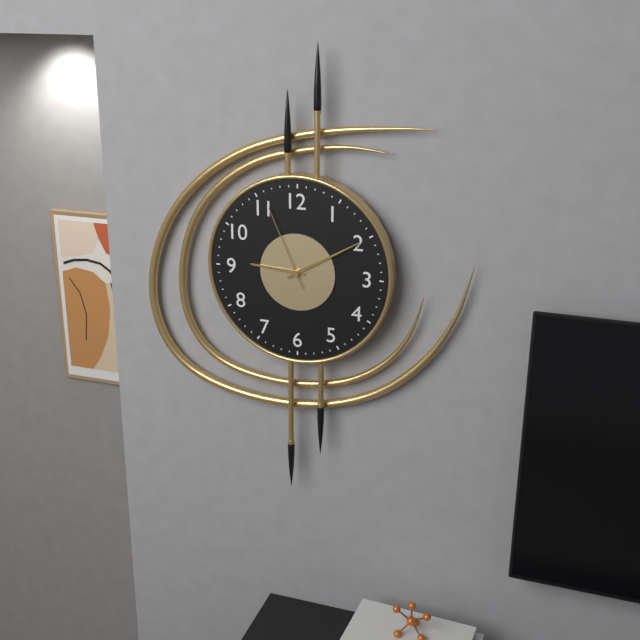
**9:10:56**
